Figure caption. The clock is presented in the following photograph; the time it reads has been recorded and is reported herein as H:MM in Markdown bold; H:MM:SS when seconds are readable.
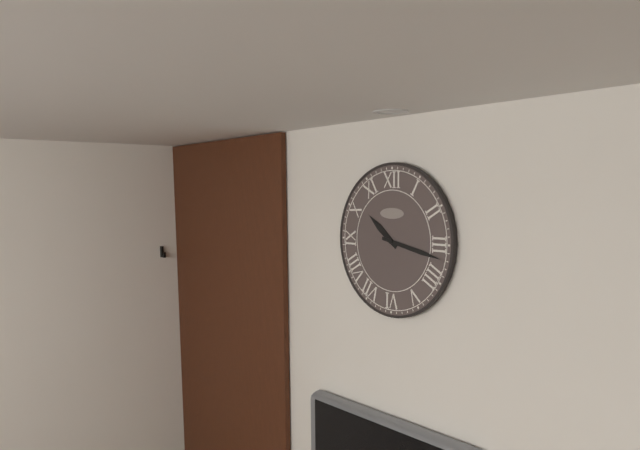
**10:17**
